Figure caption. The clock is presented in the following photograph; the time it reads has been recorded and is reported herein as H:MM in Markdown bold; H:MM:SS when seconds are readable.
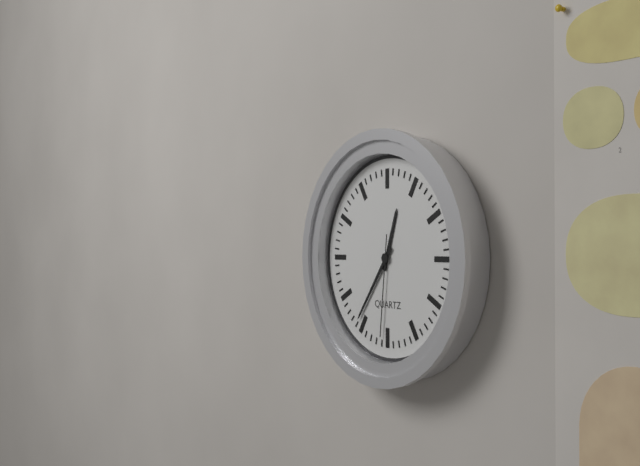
**12:36:31**
